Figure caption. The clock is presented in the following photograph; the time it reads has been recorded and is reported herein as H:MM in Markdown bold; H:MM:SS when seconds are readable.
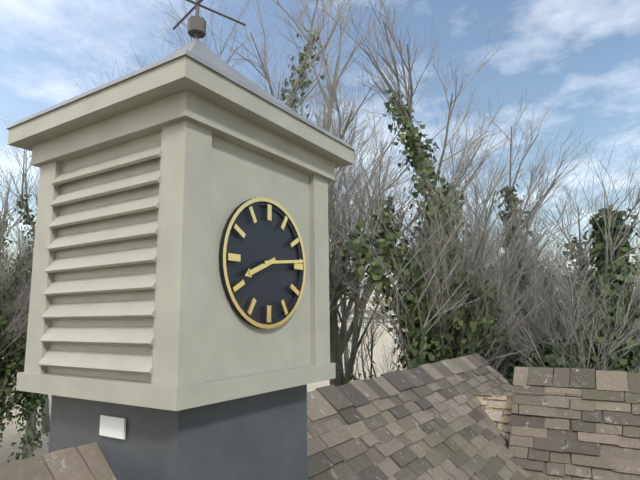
**8:14**
